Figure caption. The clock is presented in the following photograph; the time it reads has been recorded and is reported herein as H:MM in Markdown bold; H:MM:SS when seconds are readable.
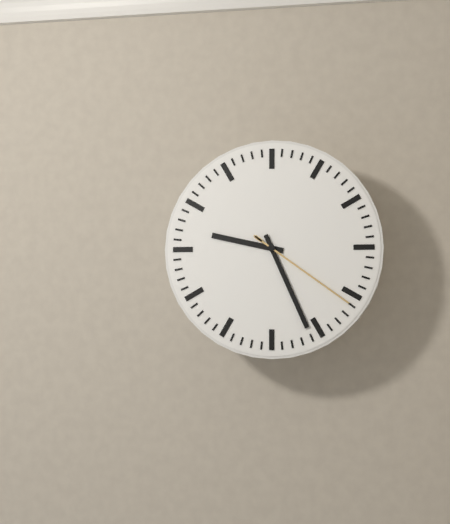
**9:26:21**
